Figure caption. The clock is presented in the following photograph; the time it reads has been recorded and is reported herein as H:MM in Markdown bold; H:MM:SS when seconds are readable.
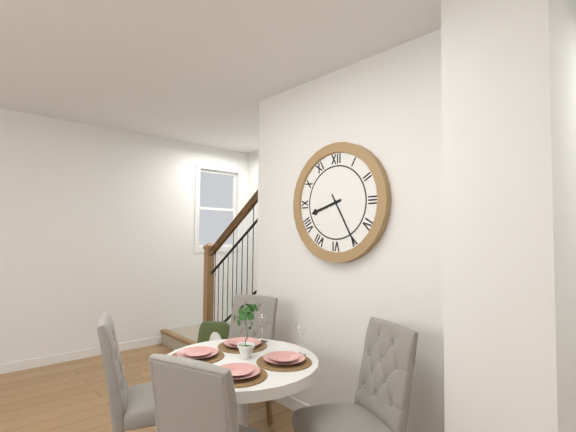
**8:25**
